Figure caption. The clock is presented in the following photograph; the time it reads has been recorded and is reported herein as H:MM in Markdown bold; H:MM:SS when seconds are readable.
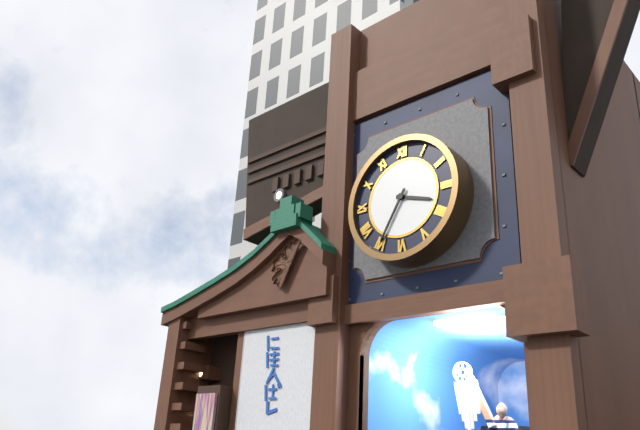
**3:35**
